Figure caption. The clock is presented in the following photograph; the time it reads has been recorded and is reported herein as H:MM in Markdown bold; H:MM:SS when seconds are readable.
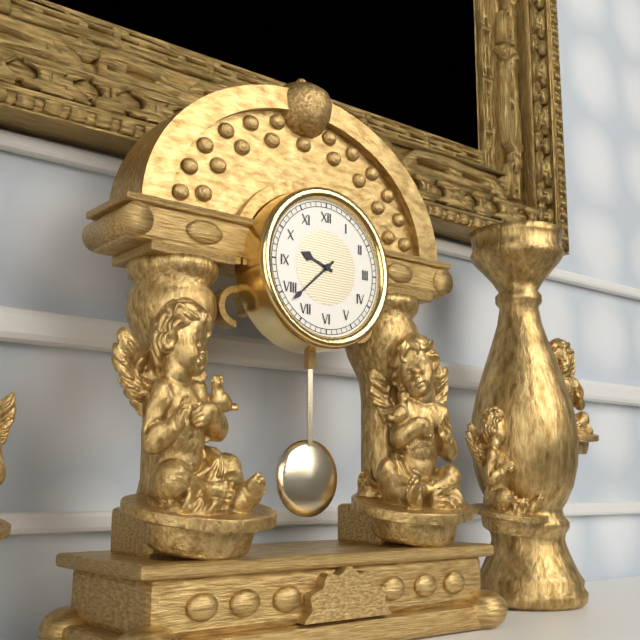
**9:38**
